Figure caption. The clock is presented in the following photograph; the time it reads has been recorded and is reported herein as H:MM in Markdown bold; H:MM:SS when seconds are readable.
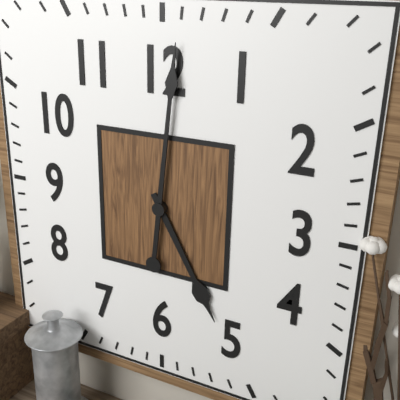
**5:01**
